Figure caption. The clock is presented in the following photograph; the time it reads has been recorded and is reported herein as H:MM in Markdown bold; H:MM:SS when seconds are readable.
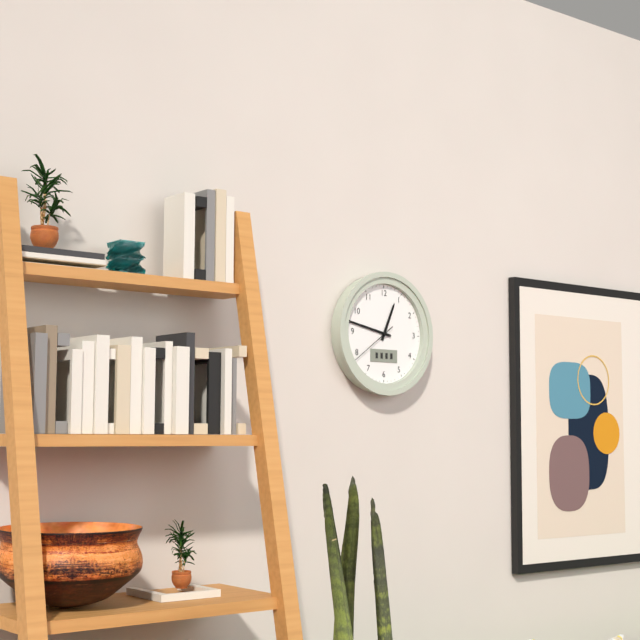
**12:47:39**
